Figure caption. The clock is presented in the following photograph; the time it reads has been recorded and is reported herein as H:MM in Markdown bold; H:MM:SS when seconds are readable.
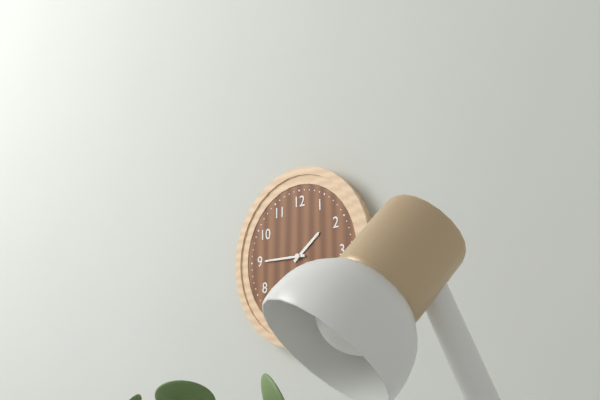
**1:45**
